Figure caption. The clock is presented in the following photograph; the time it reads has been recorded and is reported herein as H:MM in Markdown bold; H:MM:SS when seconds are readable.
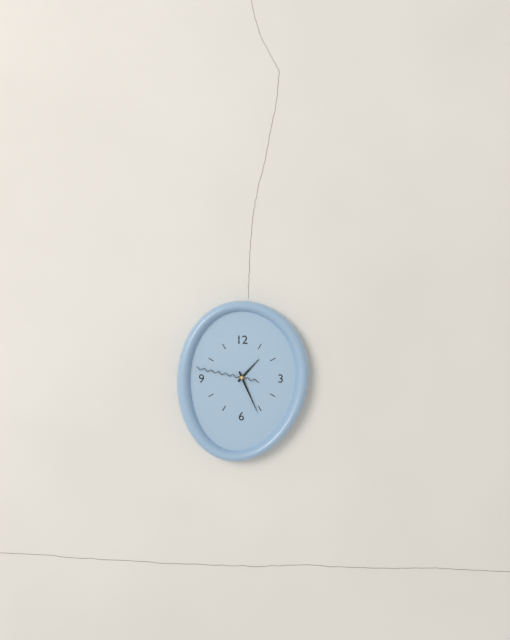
**1:26:47**
